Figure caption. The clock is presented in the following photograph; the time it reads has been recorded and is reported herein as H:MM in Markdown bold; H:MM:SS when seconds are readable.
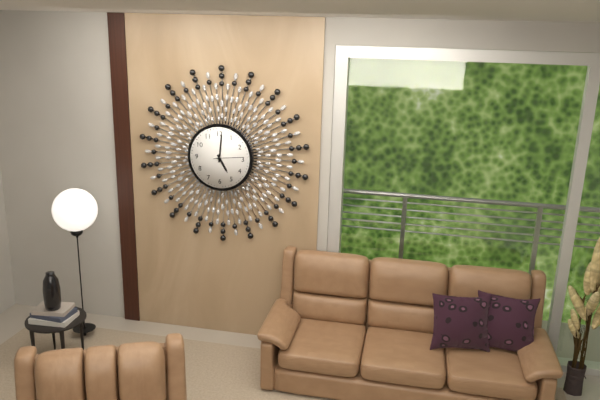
**5:01**
